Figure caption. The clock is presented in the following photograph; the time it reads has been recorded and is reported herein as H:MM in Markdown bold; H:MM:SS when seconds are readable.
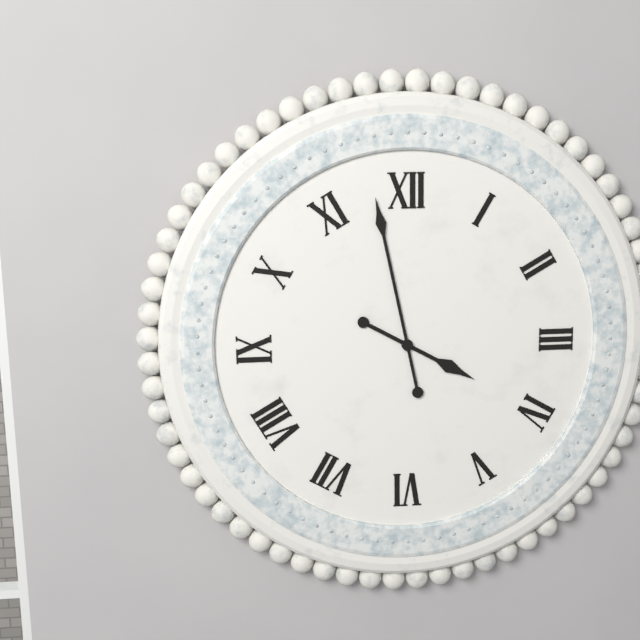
**3:58**
